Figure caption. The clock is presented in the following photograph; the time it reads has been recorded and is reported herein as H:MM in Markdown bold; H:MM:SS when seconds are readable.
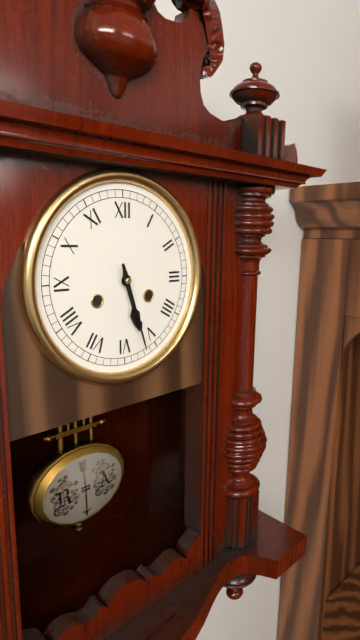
**5:27**
